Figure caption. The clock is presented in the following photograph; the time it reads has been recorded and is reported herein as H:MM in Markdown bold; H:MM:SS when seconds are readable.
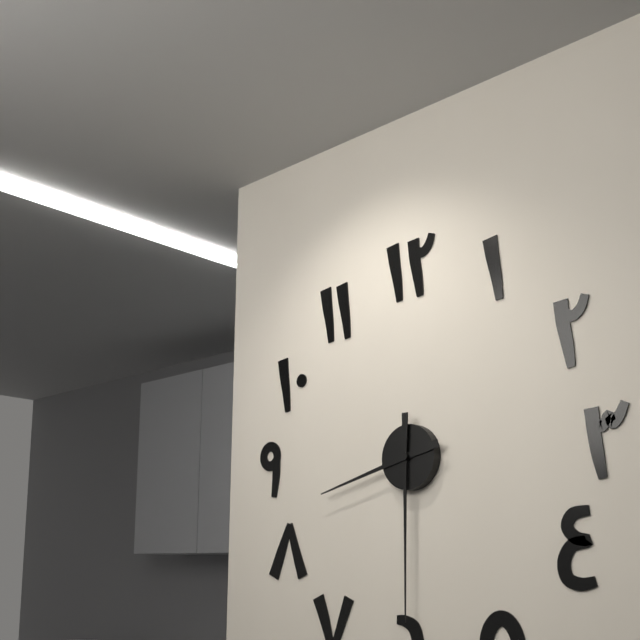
**8:30**
